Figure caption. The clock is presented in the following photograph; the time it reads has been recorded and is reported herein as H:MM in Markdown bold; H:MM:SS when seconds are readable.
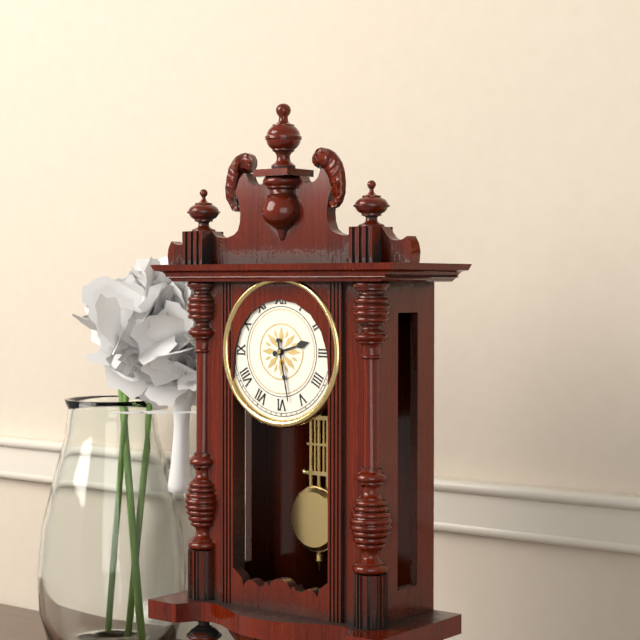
**2:28**
